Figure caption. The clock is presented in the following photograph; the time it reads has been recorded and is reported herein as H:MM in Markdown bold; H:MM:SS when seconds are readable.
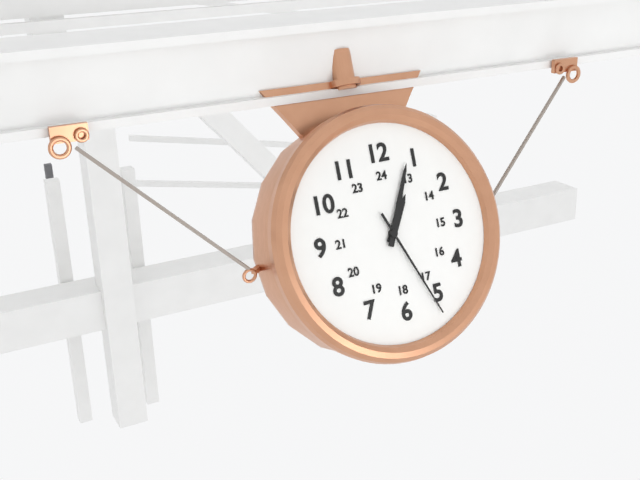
**1:04:26**
